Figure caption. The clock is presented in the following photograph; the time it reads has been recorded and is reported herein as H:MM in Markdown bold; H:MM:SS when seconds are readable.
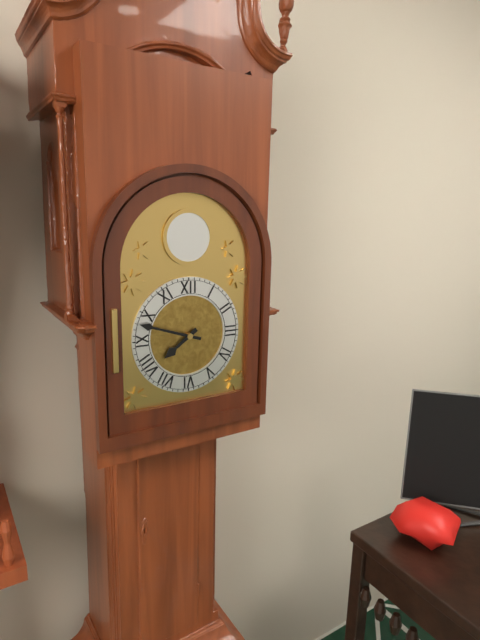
**7:48**
